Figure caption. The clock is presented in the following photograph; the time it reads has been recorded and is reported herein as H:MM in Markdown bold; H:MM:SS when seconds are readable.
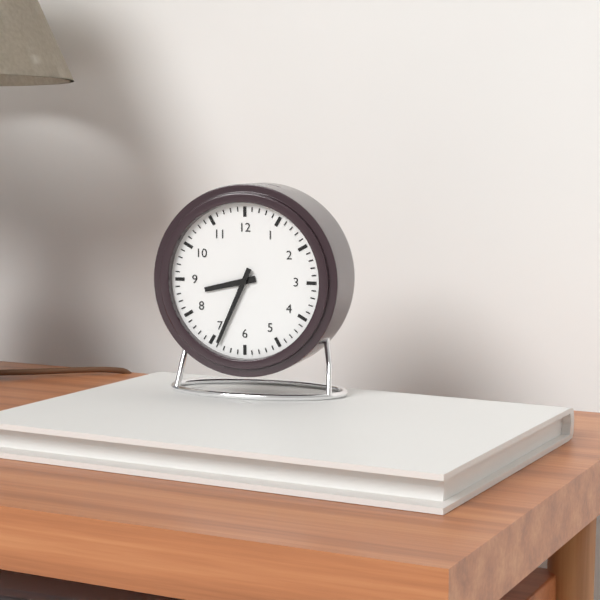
**8:34**
